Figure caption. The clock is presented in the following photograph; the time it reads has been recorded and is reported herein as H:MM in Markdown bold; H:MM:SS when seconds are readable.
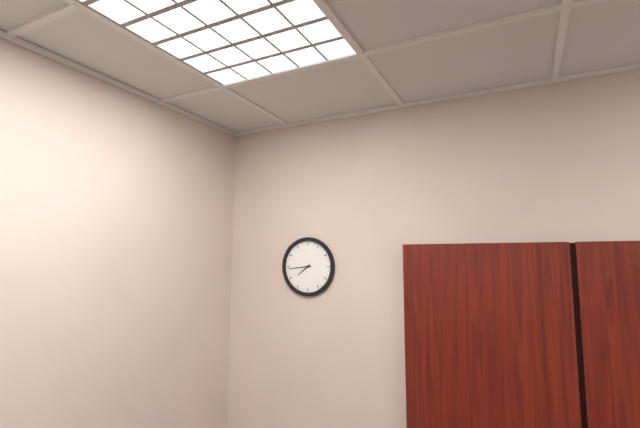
**7:44**
